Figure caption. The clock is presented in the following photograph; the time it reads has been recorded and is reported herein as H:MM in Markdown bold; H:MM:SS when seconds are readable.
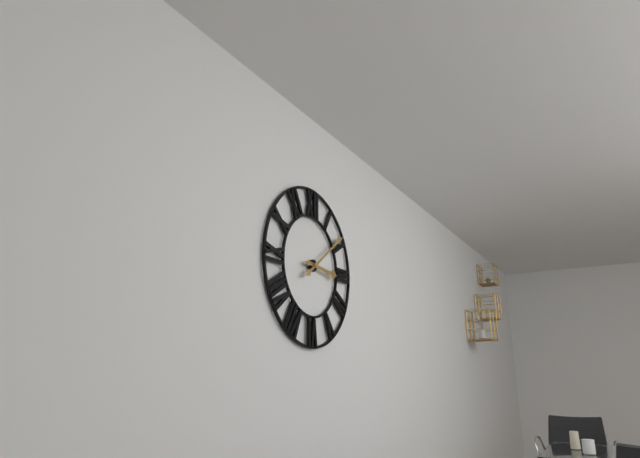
**3:09**
